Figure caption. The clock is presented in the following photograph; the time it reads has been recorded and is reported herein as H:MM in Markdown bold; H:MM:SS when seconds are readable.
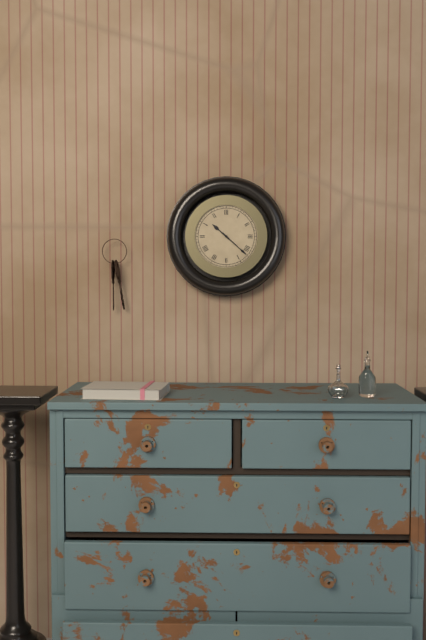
**10:22**
